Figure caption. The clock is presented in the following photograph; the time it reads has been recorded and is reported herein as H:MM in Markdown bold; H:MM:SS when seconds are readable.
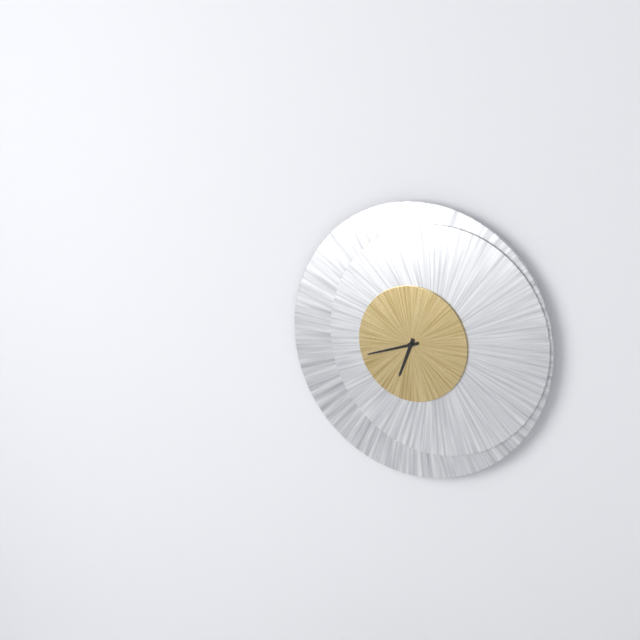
**6:42**
